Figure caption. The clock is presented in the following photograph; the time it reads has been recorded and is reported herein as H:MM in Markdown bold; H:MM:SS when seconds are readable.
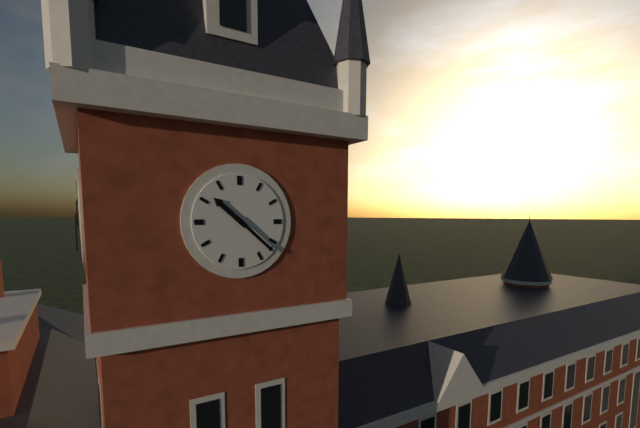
**10:22**
